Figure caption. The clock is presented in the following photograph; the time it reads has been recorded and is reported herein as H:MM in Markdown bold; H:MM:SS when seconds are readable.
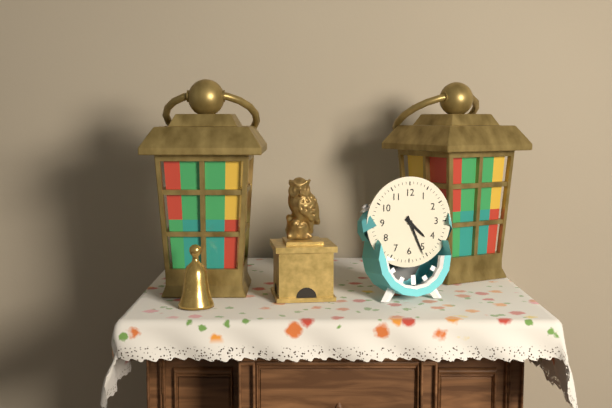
**4:26**
